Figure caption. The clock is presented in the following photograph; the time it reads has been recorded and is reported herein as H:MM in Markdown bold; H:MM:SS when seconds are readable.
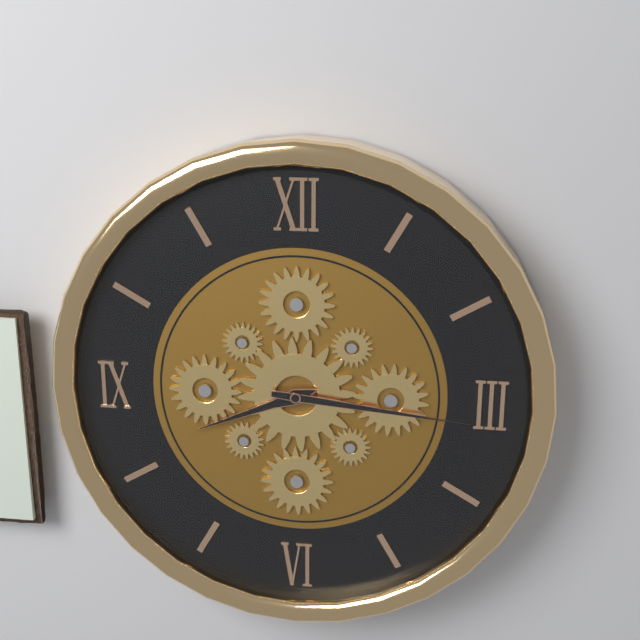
**8:16**
